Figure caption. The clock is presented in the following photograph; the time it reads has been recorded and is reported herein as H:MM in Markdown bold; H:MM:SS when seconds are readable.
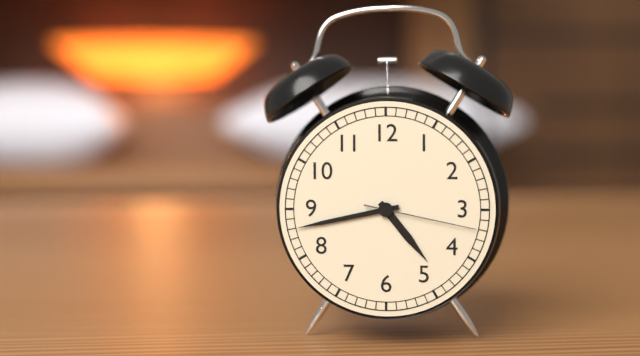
**4:43:17**
